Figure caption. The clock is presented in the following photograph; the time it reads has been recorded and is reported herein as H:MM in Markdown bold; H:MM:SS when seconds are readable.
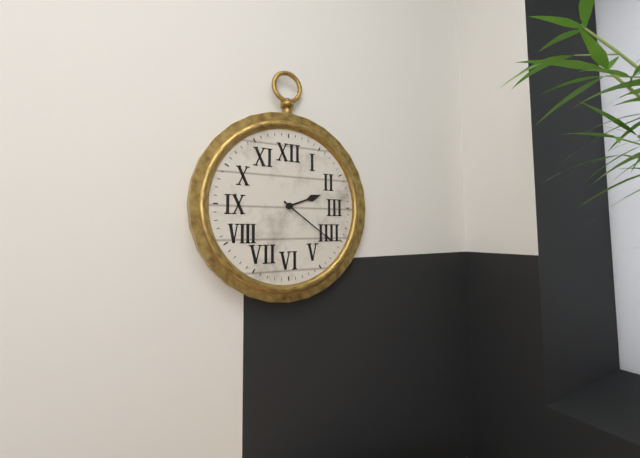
**2:21**
